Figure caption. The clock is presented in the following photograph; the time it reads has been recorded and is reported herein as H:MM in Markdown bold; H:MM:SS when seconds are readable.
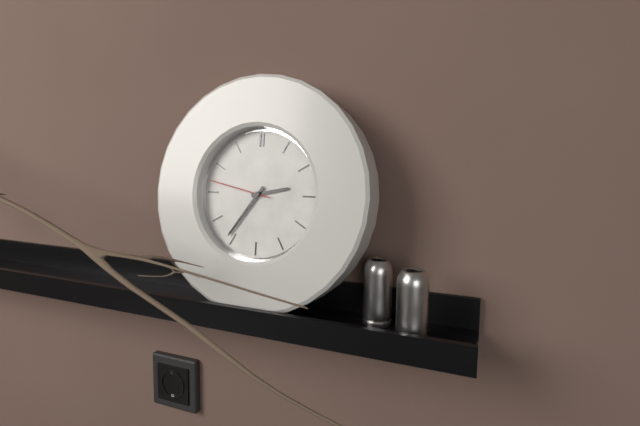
**2:36:47**
